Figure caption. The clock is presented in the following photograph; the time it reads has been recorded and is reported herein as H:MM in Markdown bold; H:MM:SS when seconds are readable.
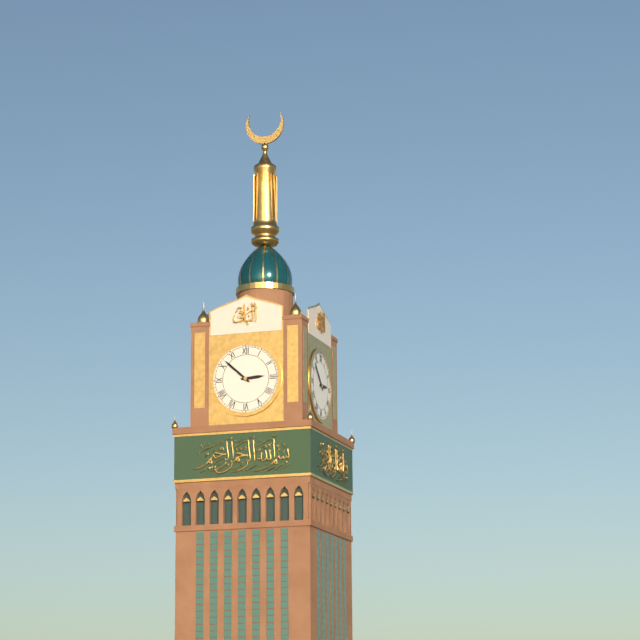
**2:52**
